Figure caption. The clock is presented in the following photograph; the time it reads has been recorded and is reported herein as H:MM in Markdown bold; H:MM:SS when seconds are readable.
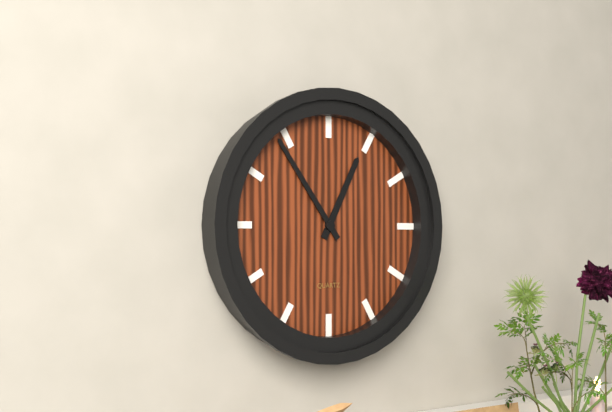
**12:54**
